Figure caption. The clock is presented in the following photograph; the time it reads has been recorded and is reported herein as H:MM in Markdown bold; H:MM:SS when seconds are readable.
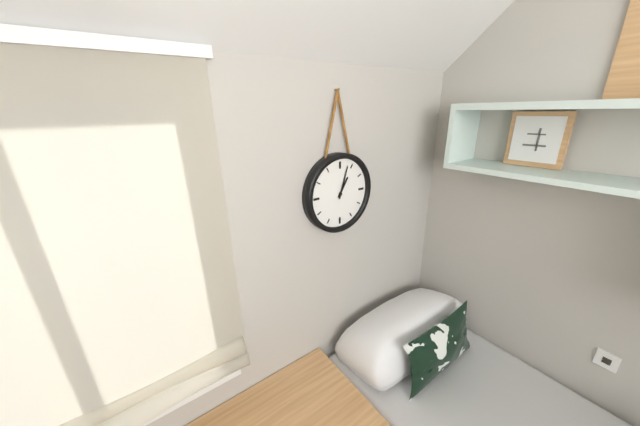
**1:03**
